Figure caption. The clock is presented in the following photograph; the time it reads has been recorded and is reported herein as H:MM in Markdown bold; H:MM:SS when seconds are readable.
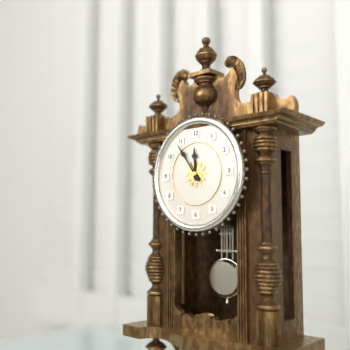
**11:54**
